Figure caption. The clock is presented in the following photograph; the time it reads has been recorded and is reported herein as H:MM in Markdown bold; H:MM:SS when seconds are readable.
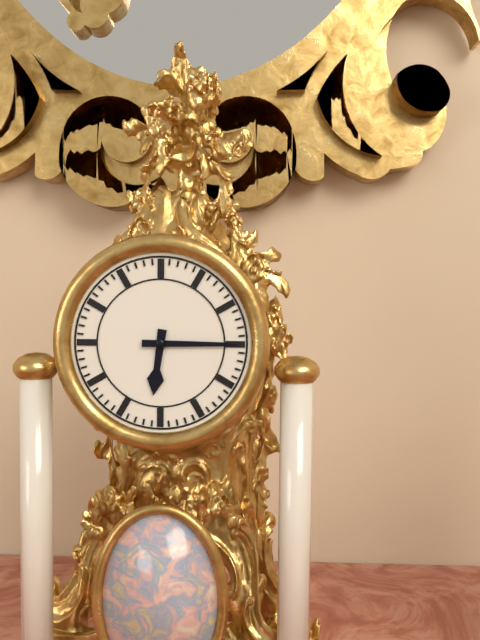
**6:15**
